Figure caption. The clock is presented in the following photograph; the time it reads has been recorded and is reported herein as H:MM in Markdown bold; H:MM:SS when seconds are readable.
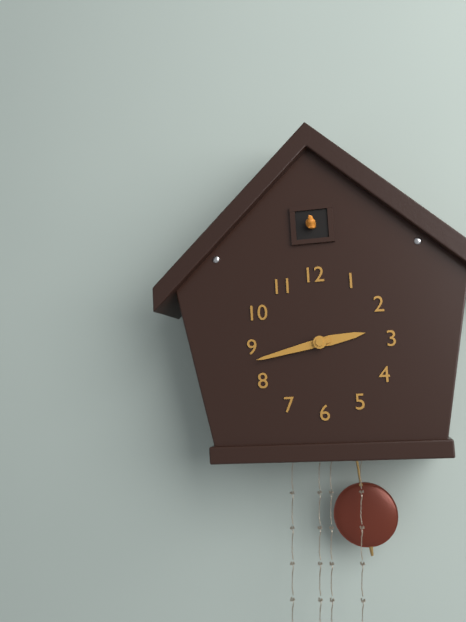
**2:43**
